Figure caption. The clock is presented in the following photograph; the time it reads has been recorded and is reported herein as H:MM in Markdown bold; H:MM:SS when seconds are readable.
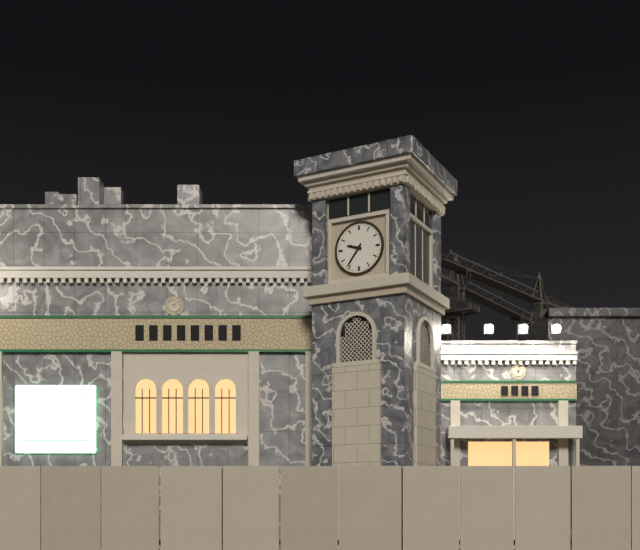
**9:36**
